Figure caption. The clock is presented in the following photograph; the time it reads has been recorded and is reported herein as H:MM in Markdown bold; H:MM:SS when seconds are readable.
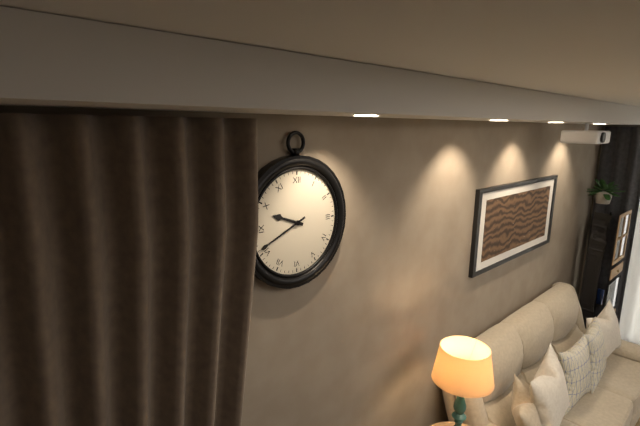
**9:41**
